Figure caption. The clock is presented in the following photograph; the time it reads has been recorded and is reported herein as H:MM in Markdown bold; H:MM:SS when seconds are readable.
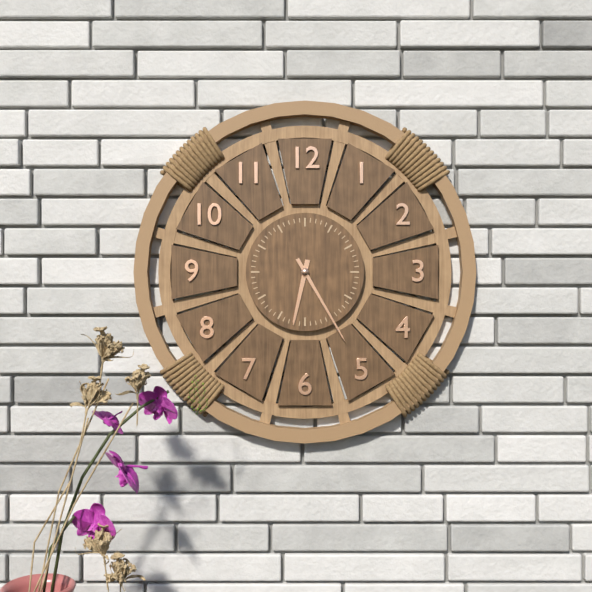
**6:25**
